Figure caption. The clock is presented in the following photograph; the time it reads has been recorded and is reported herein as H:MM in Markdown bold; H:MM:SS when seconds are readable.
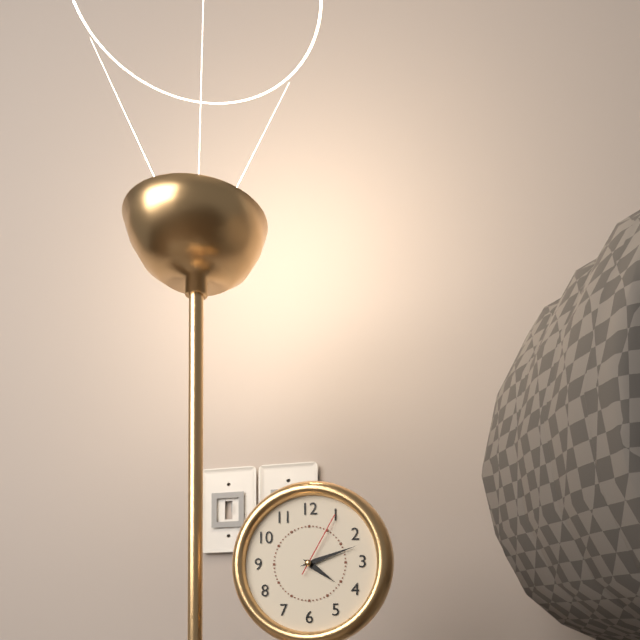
**4:12:05**
